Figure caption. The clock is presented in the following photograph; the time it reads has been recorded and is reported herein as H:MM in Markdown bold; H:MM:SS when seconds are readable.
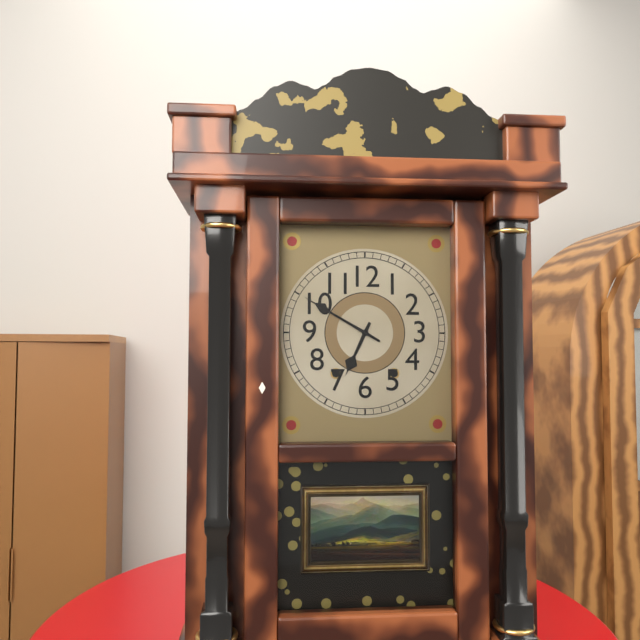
**6:50**
